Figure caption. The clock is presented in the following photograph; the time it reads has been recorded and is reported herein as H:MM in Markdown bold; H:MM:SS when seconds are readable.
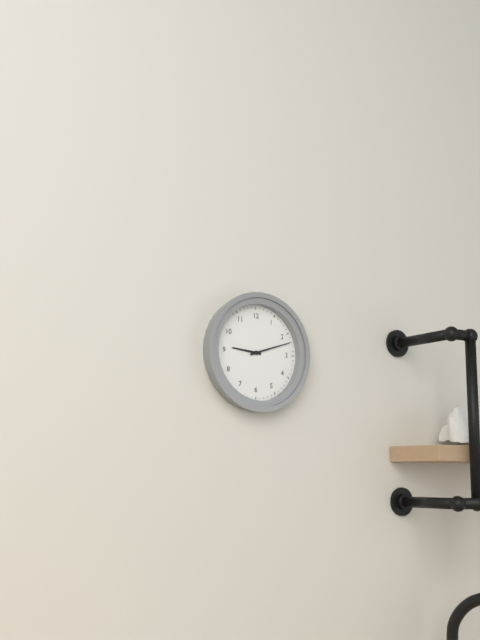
**9:12**
